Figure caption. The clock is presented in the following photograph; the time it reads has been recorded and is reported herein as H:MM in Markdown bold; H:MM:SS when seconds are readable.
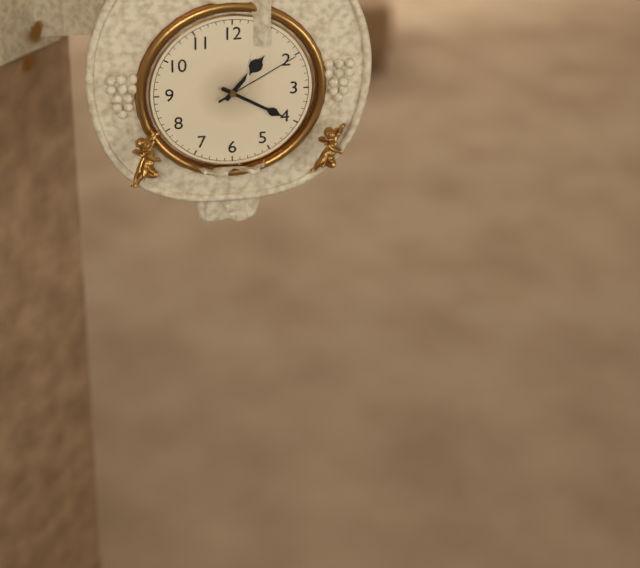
**1:20:10**
